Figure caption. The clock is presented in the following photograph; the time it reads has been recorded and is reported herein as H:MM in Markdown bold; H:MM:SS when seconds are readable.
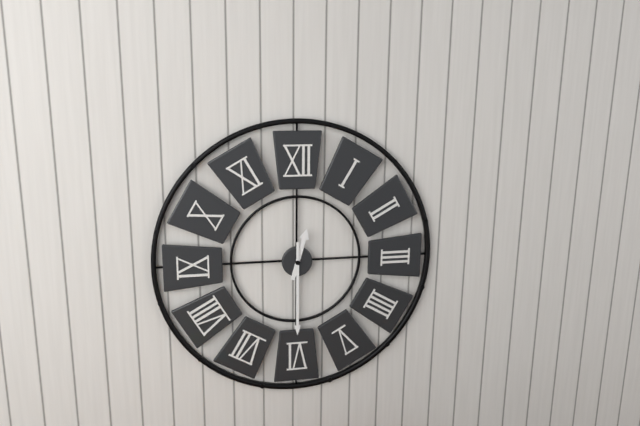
**12:30**
